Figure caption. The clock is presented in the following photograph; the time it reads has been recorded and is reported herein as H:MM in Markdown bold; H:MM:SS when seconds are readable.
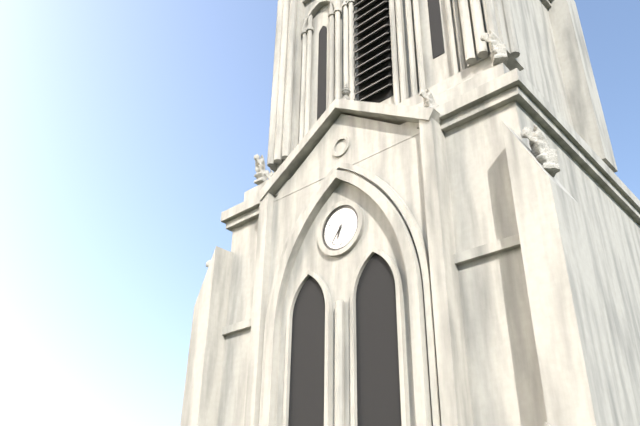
**6:36**
